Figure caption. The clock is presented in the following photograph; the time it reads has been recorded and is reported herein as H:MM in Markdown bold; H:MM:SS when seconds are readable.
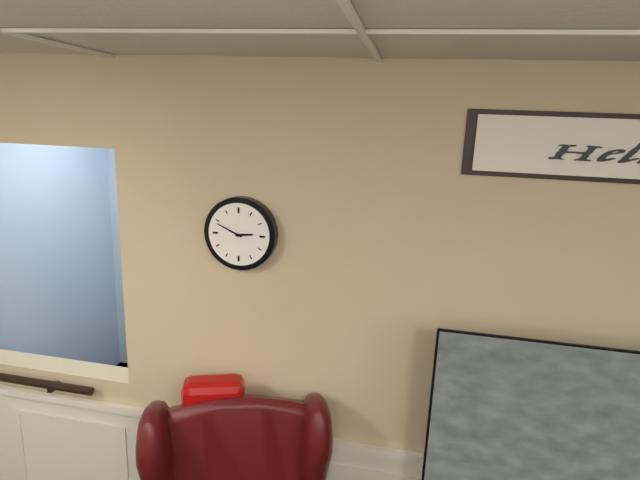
**2:49**
